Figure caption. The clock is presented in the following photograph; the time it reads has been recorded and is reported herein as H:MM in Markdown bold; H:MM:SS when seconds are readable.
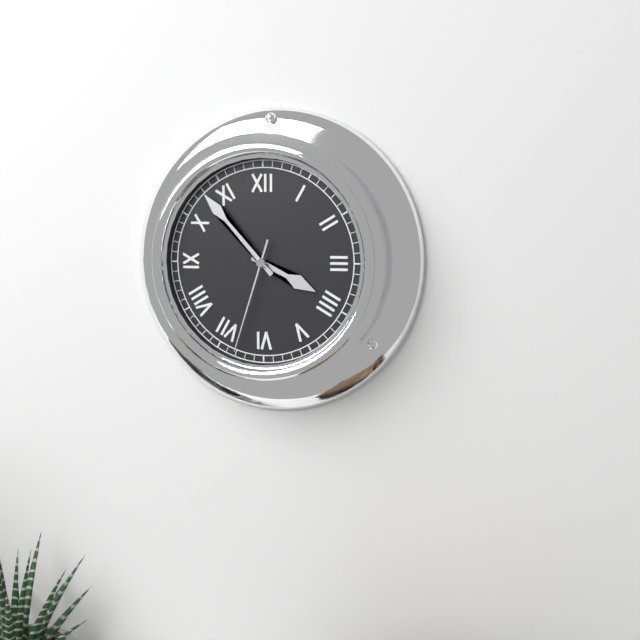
**3:53:33**
